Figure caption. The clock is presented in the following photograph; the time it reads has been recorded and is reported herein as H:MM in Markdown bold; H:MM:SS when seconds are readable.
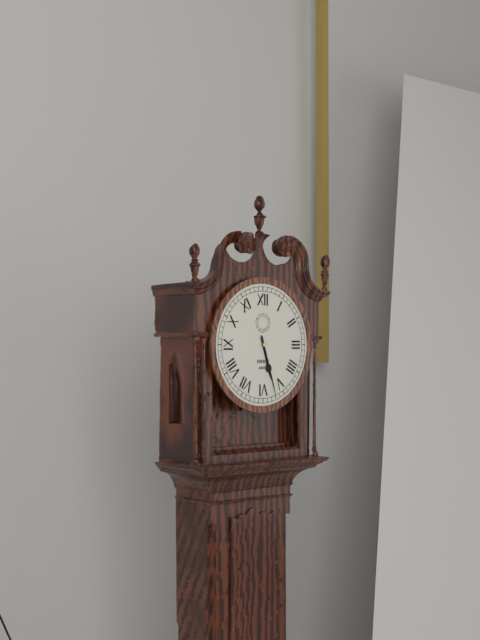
**5:27**
